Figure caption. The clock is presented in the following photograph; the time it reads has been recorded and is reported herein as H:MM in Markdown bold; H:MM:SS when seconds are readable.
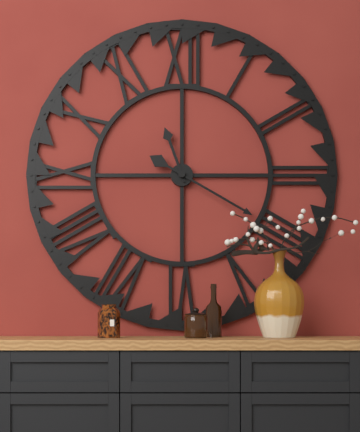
**11:20**
